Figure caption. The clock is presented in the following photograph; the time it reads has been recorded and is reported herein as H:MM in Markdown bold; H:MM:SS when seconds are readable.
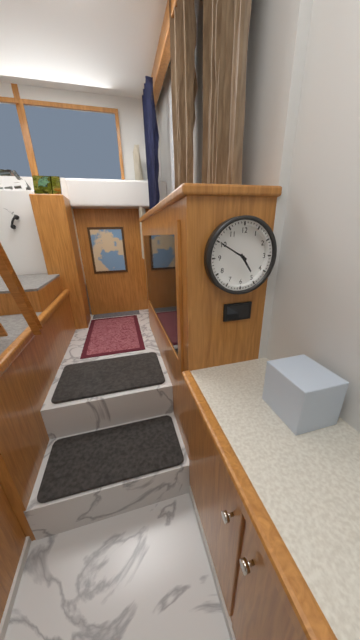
**4:50**
